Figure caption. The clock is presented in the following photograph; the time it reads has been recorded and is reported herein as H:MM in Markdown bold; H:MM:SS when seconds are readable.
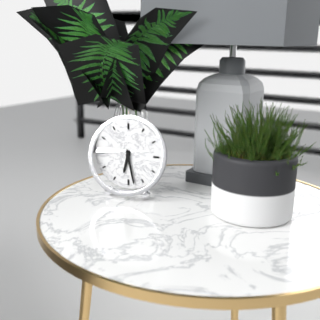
**6:28**
